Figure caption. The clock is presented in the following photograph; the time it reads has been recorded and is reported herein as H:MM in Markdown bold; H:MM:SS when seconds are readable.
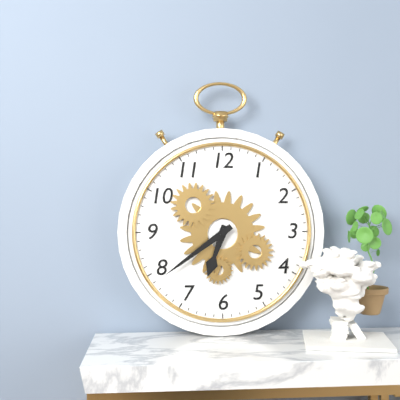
**6:39**
